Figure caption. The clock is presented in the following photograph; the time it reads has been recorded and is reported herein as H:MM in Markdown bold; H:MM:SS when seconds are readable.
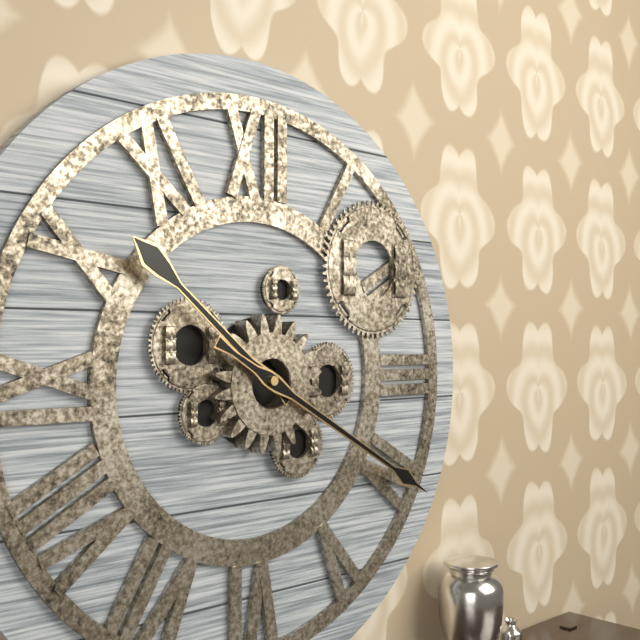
**10:20**
